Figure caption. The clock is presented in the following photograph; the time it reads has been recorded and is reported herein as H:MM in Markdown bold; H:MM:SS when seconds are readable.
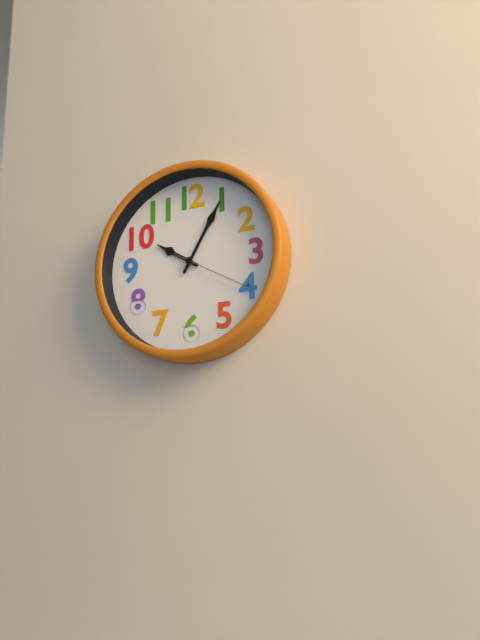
**10:05:20**
